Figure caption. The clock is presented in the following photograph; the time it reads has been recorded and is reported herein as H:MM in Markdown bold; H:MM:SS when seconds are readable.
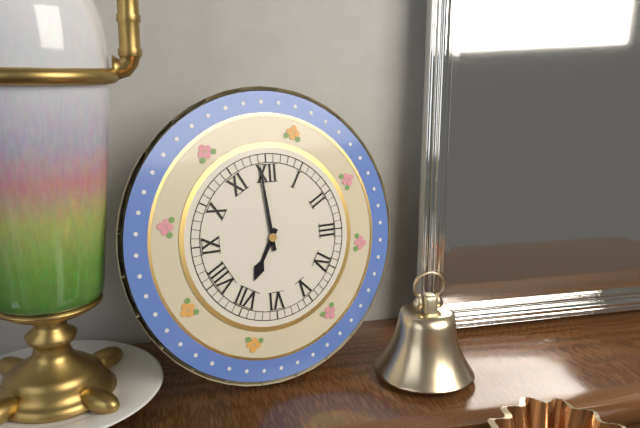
**6:59**
